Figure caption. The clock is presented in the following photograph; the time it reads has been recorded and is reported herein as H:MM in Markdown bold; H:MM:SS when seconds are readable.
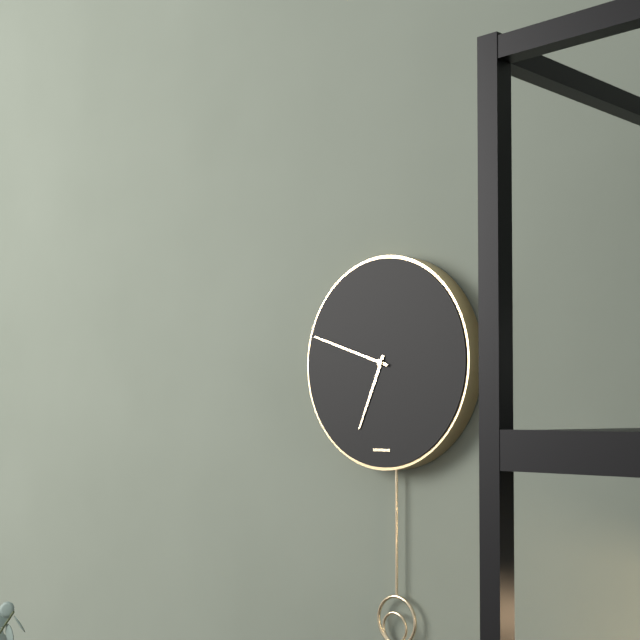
**6:48**
